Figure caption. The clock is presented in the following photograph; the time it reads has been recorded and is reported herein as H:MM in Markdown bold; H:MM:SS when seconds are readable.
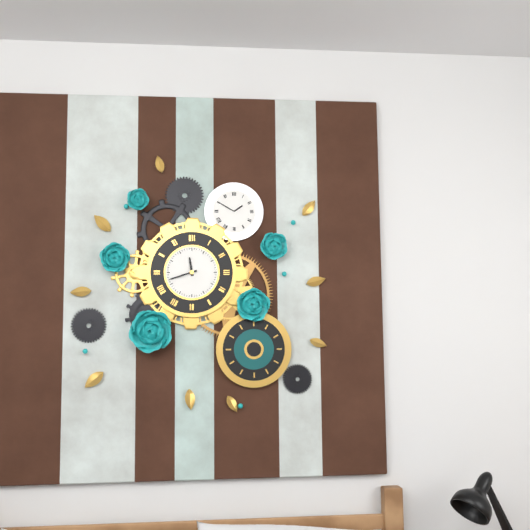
**11:42**
